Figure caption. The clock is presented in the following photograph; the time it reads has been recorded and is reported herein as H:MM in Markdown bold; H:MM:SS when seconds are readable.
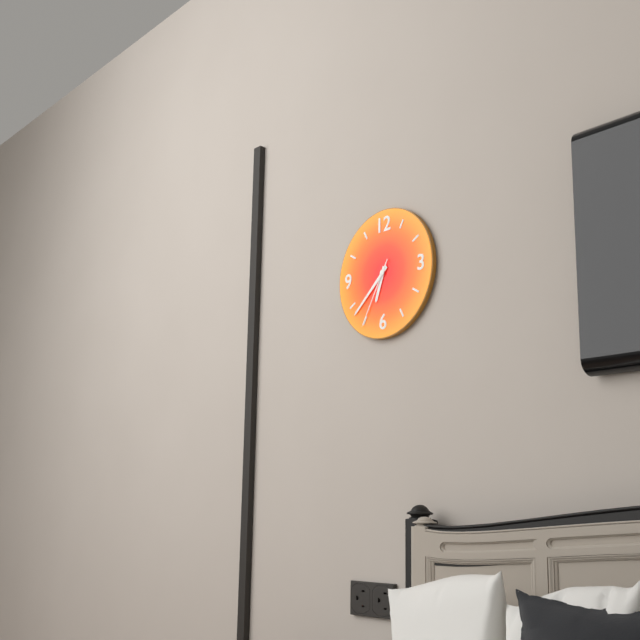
**6:38:35**
